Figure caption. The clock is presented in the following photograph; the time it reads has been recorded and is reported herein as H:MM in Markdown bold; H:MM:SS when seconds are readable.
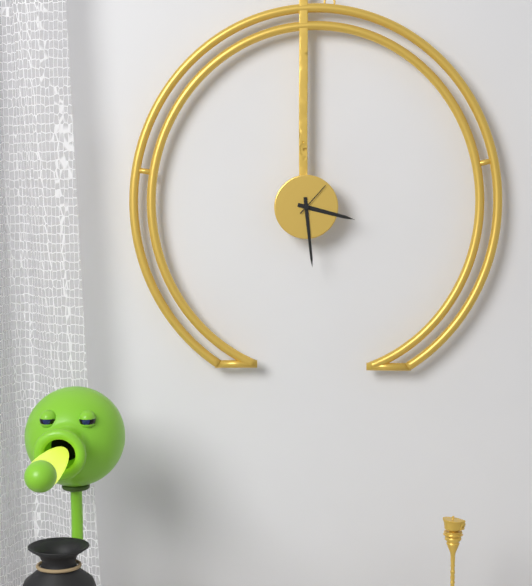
**3:29**
